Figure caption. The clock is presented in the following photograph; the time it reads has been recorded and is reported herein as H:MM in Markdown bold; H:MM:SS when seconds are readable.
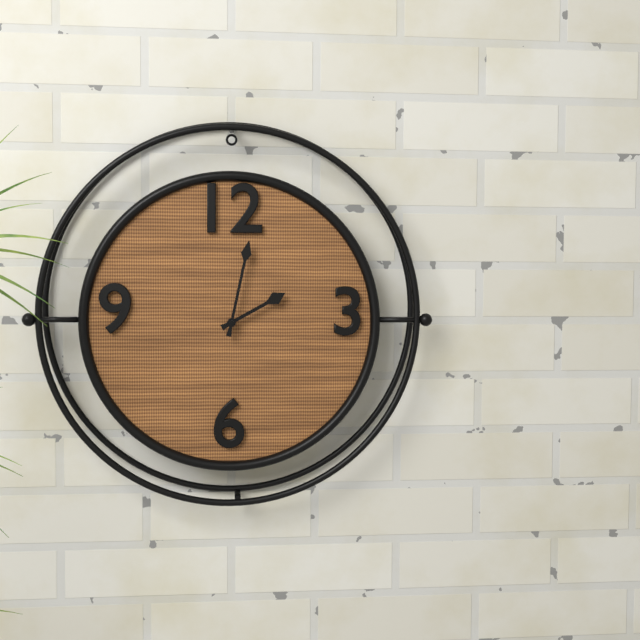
**2:02**
